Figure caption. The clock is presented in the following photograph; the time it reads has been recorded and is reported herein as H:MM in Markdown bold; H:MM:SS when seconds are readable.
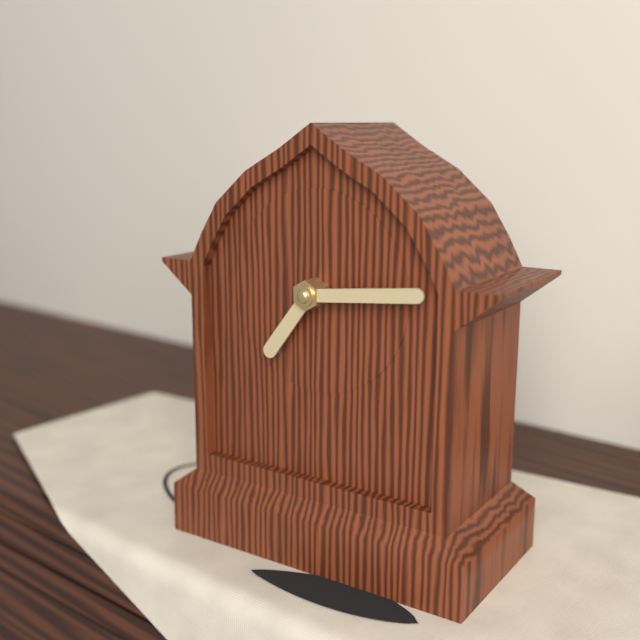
**7:14**
